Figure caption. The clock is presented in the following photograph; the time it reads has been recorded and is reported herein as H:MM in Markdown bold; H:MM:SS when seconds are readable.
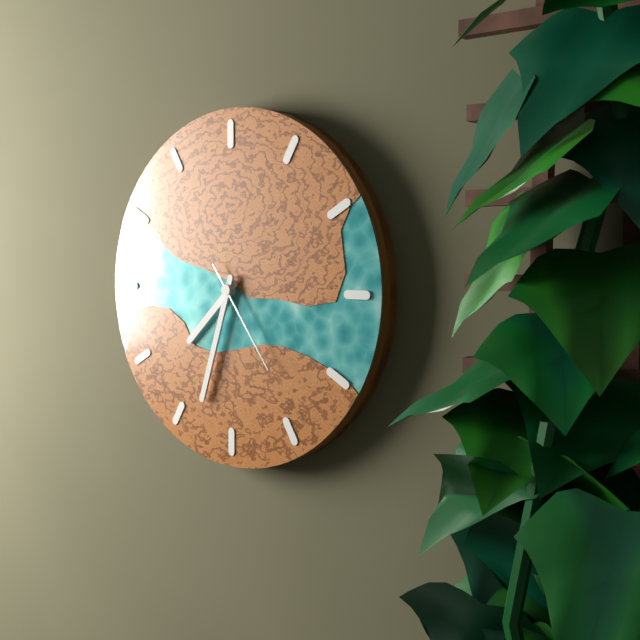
**7:33:24**
